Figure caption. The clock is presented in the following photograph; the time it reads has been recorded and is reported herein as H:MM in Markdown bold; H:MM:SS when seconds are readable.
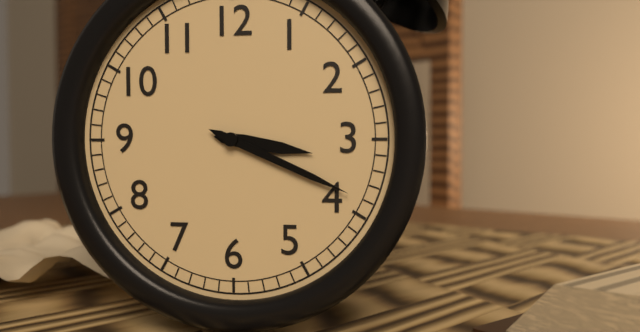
**3:19**
